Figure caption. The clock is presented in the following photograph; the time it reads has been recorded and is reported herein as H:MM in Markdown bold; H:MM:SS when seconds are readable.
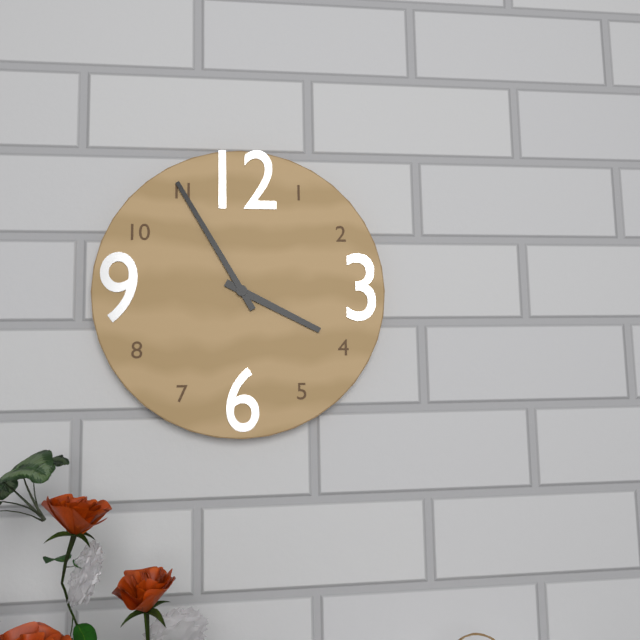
**3:55**
